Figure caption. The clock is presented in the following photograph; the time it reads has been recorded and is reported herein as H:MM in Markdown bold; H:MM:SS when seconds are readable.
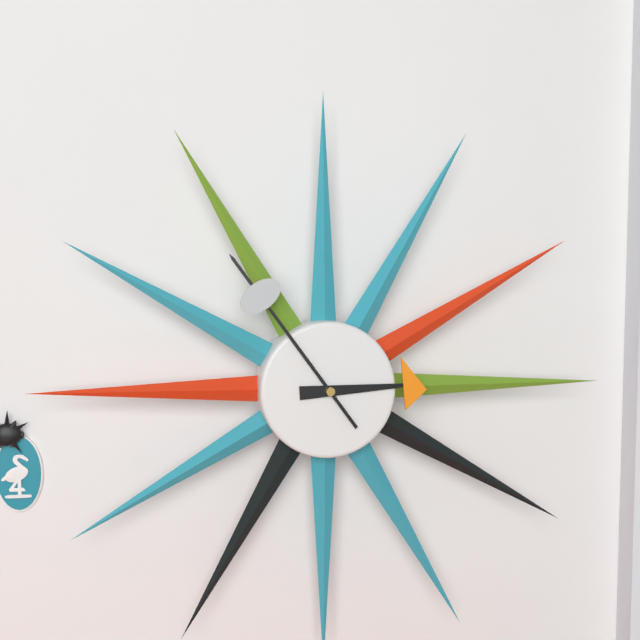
**2:54**
